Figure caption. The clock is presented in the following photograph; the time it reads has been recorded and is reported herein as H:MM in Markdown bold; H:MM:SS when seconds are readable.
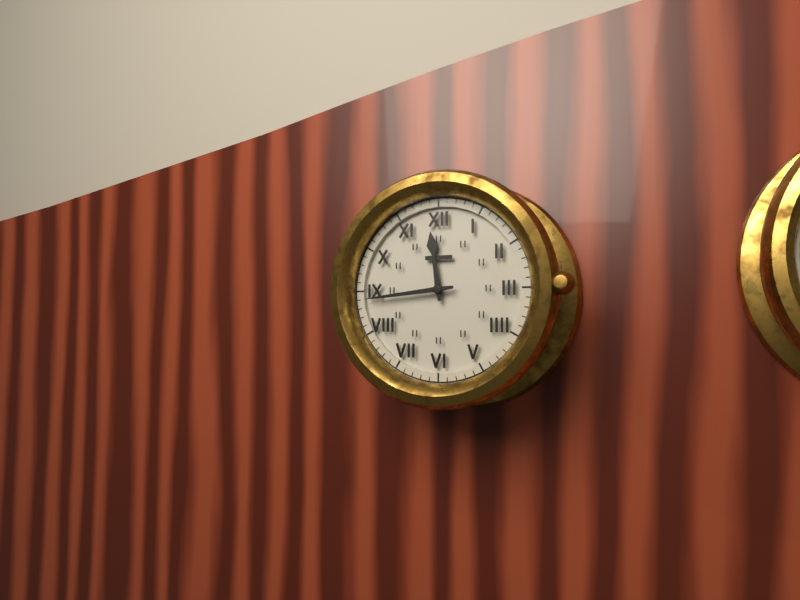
**11:44**
